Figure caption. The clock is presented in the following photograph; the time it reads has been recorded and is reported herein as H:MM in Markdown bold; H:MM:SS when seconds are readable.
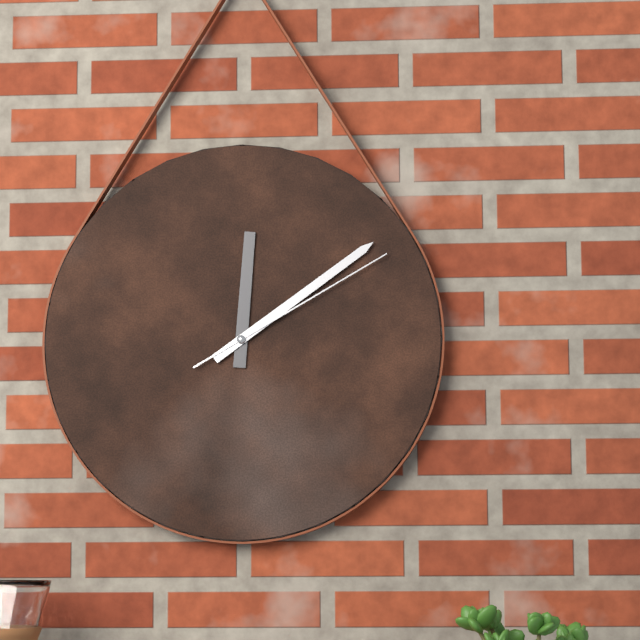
**12:09:10**
